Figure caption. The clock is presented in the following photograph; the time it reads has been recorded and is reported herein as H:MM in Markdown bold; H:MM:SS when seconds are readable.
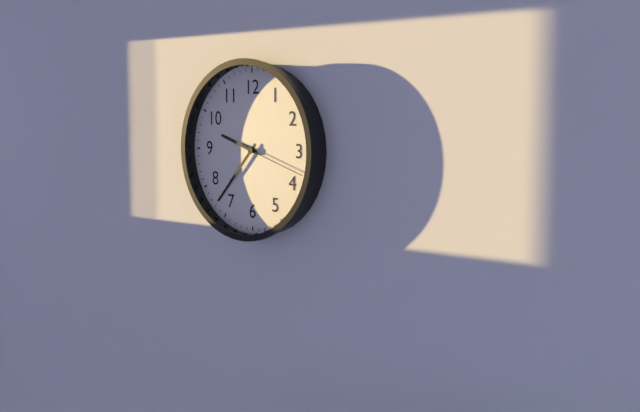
**9:37:18**
